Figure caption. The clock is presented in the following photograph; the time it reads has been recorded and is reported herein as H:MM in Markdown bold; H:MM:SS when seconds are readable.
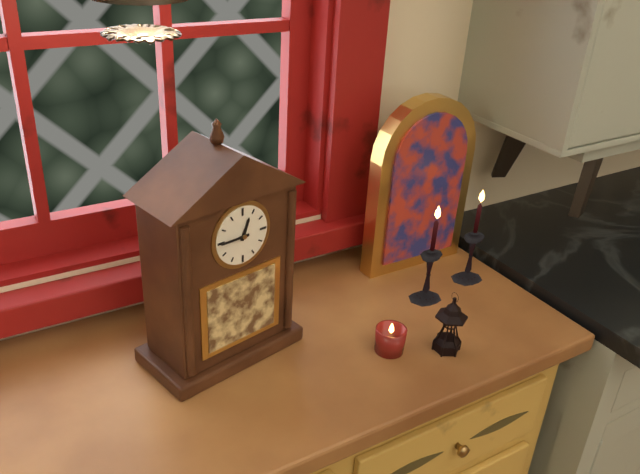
**12:45**
